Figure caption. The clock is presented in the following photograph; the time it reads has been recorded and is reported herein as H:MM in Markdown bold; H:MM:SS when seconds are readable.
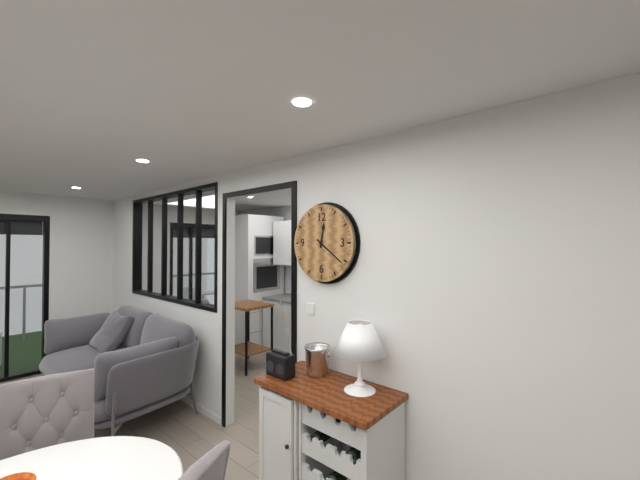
**12:21**
